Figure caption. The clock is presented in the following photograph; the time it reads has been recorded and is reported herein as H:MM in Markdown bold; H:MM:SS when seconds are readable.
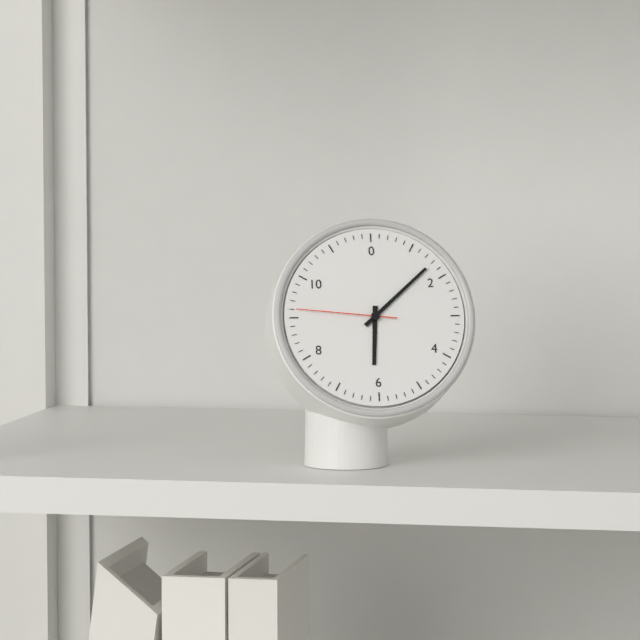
**6:08:46**
